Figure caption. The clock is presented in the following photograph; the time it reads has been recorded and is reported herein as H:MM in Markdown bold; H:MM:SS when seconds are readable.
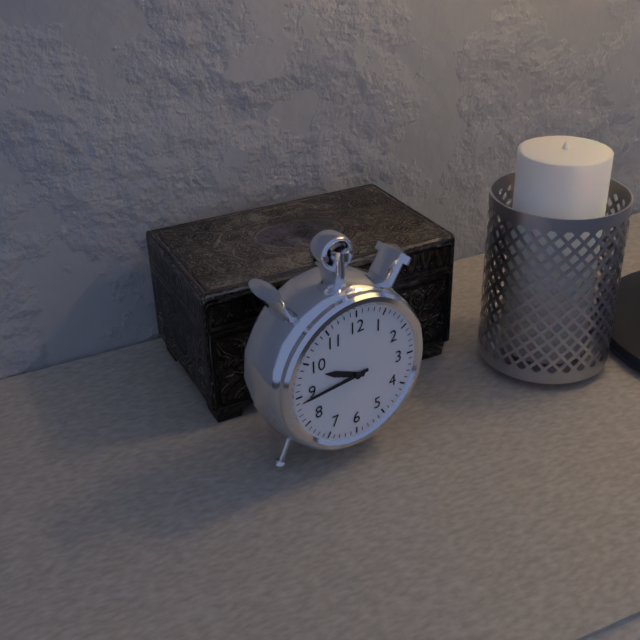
**9:44**
